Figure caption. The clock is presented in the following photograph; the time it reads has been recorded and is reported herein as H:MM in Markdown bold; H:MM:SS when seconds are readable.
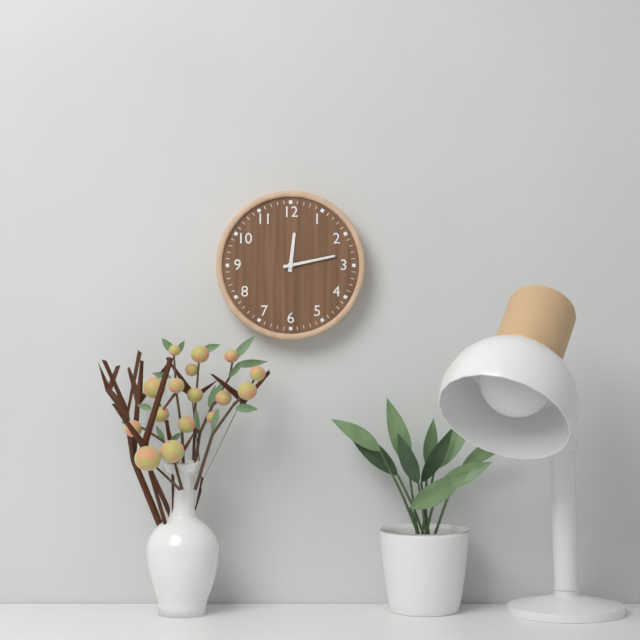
**12:13**
